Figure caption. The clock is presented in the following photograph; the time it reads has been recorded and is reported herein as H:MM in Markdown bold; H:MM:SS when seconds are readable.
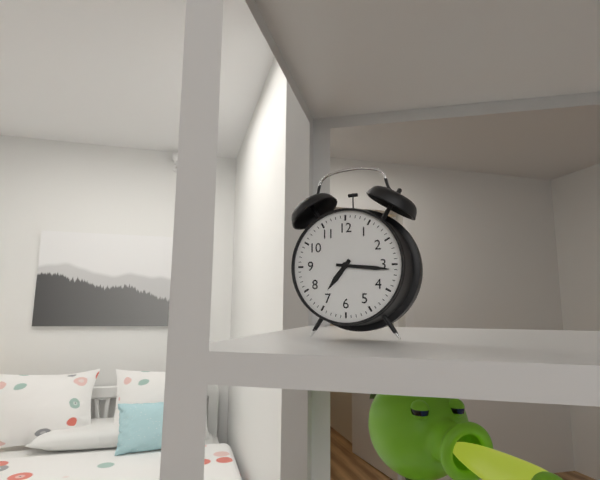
**7:16**
